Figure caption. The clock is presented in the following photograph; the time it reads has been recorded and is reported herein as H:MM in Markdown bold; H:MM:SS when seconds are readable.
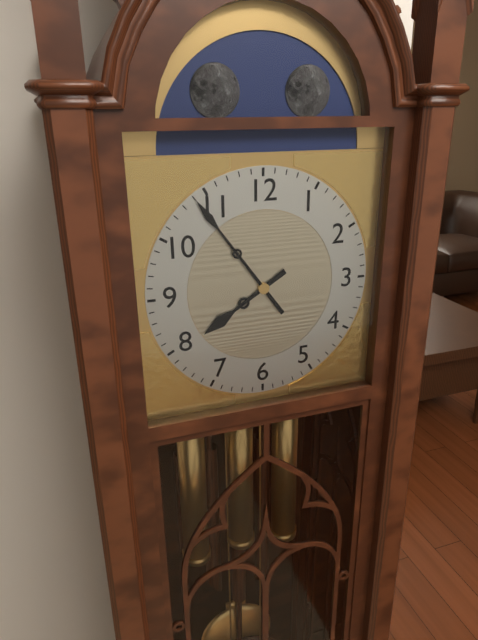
**7:54**
